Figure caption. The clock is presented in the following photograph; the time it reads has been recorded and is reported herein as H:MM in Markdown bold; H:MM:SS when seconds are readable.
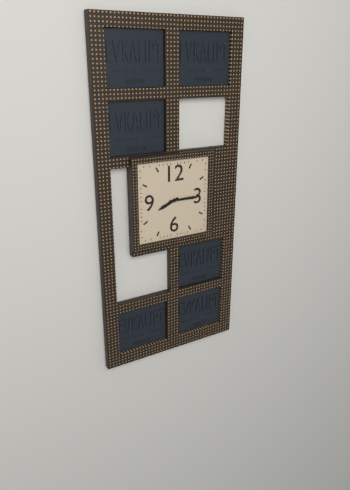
**8:15**
